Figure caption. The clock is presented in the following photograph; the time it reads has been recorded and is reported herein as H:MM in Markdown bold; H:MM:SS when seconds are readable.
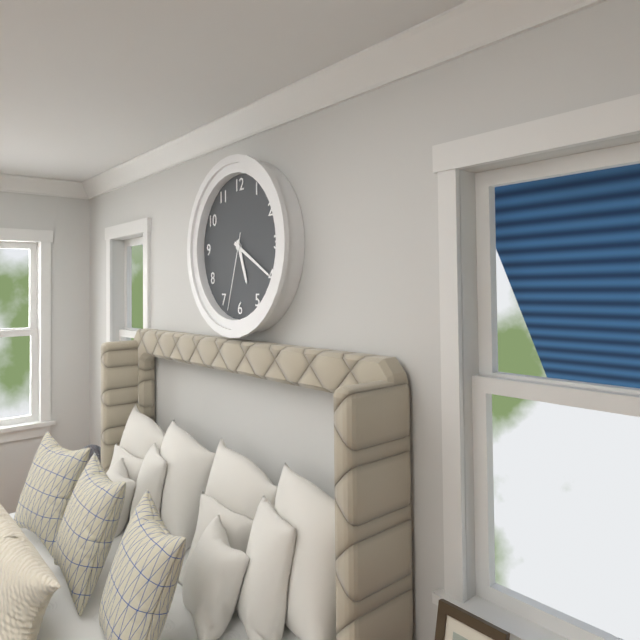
**5:20:33**
